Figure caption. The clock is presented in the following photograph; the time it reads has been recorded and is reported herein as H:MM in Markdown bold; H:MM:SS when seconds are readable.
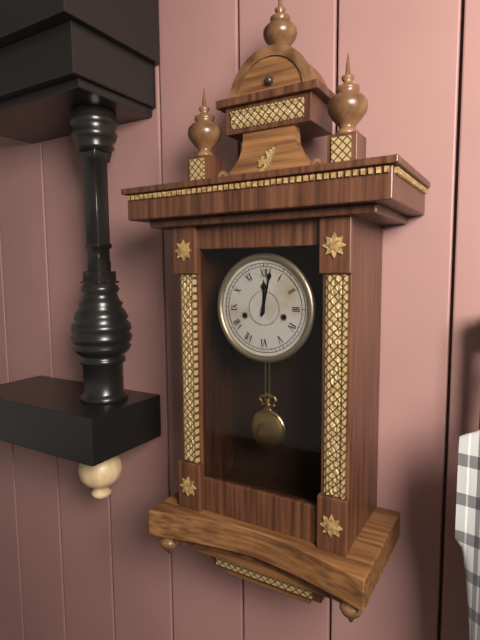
**12:02**
